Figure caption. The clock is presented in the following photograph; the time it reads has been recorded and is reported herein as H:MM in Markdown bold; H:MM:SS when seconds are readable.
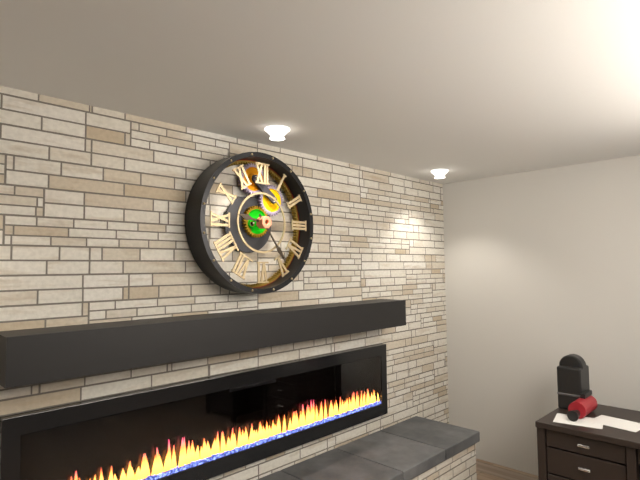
**9:24**
